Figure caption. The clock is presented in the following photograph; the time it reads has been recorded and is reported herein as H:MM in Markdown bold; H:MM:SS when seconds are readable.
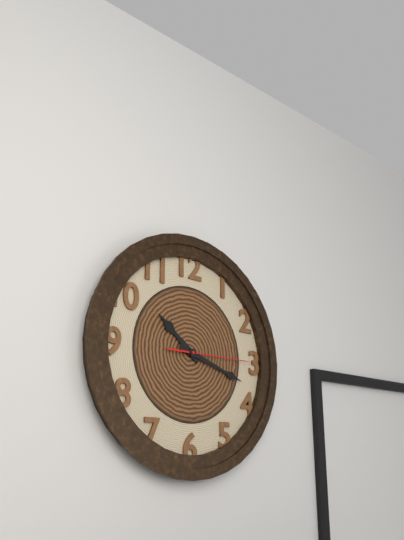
**10:18:15**
